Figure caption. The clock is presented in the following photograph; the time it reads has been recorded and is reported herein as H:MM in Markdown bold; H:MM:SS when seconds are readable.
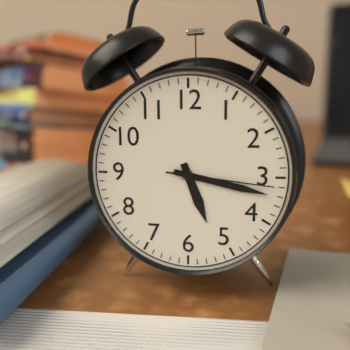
**5:17:16**
